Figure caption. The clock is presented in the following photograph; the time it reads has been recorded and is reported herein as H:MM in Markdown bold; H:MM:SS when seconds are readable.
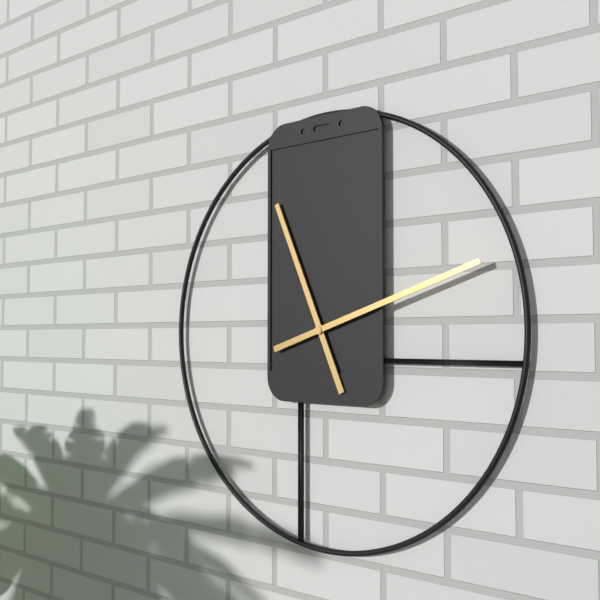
**11:12**
